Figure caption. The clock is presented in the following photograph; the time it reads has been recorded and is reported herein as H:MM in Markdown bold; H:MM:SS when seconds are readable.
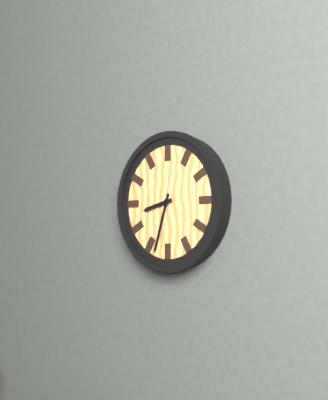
**8:33**
